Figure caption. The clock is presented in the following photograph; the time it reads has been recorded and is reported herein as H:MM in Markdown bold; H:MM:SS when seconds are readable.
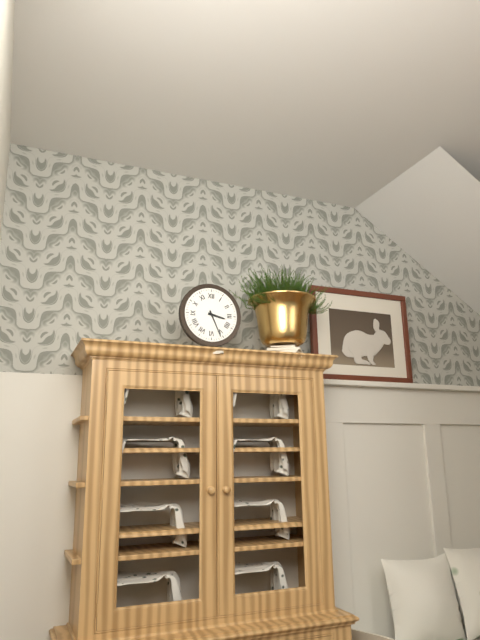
**3:26**
